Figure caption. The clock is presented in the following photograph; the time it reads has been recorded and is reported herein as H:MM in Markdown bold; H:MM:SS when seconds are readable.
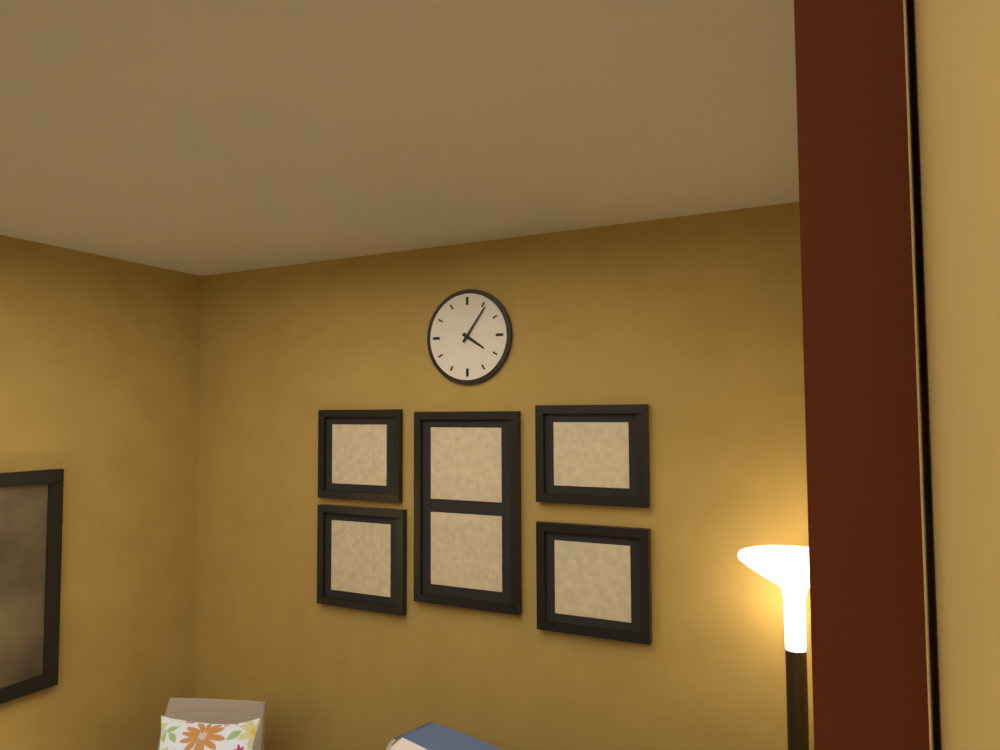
**4:06**
